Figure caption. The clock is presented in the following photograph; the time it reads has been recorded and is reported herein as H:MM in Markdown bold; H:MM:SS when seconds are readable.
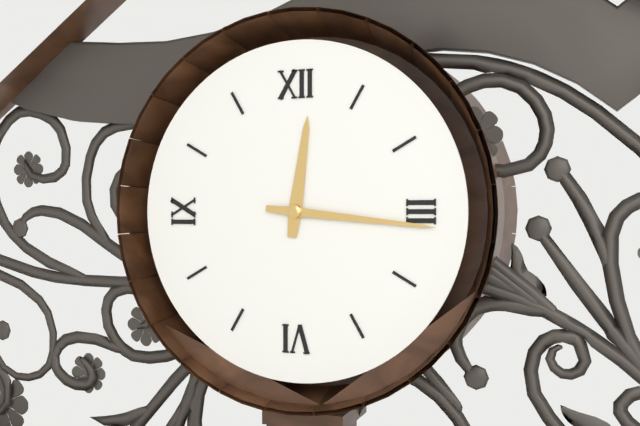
**12:16**
